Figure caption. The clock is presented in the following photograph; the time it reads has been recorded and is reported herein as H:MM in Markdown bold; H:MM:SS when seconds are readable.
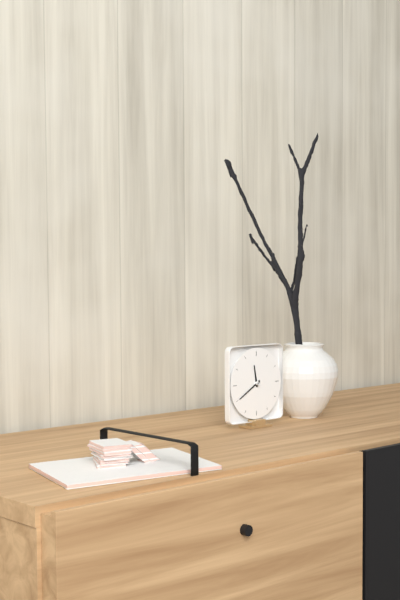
**11:40**
